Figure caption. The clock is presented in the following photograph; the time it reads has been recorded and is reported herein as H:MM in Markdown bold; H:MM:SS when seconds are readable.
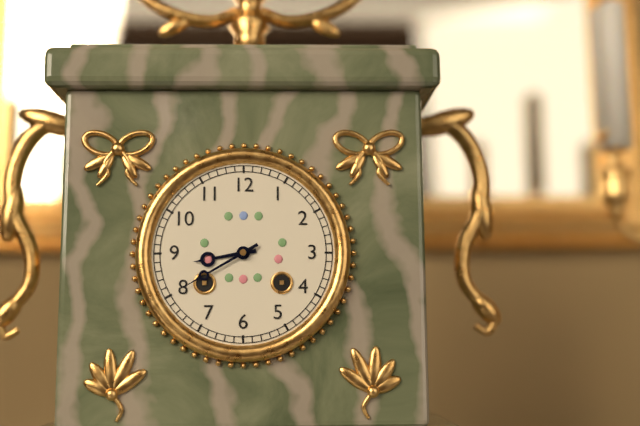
**8:40**
